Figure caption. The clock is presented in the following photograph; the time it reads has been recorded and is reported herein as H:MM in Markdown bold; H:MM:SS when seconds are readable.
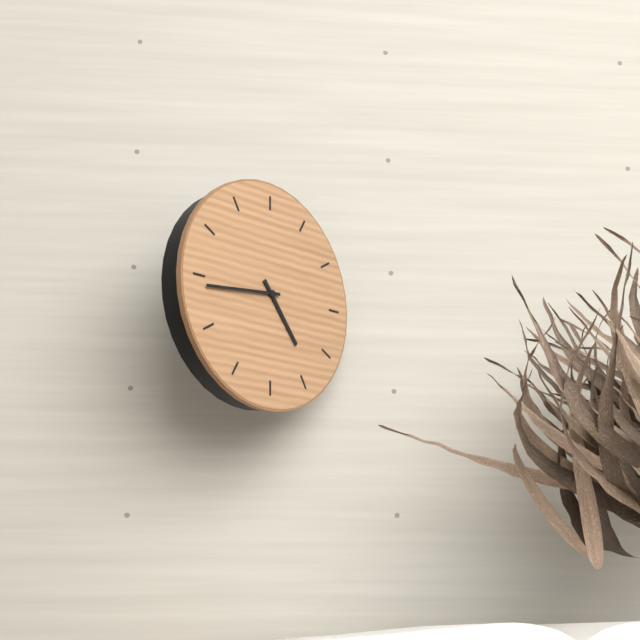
**4:44**
